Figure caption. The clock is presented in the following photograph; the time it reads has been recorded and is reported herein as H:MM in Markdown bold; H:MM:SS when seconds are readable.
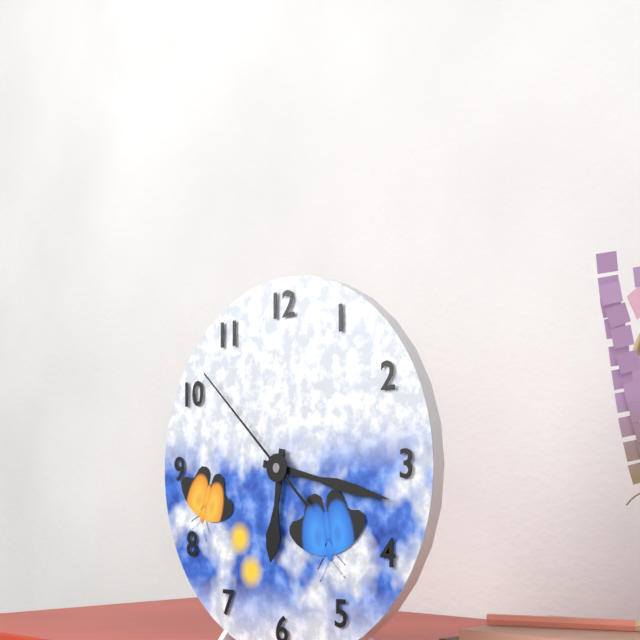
**6:17:52**
